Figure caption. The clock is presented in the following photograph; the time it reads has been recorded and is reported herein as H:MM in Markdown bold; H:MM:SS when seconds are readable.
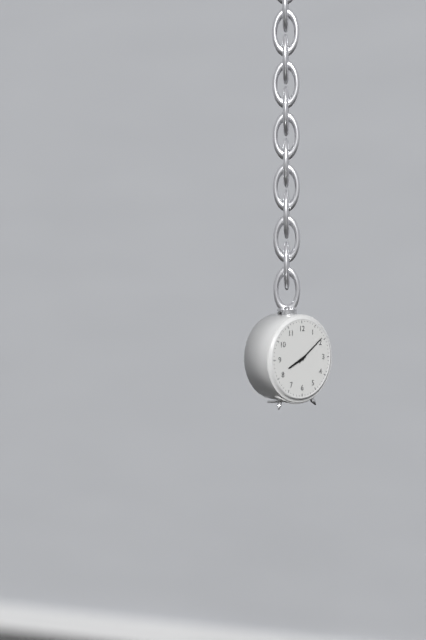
**8:09**
